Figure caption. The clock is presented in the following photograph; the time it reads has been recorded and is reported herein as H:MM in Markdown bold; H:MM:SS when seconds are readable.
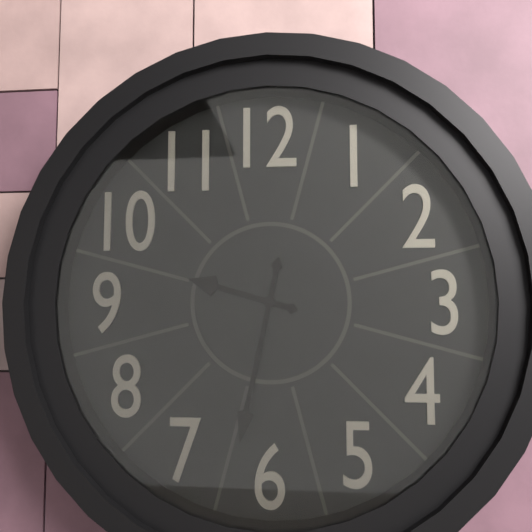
**9:32**
